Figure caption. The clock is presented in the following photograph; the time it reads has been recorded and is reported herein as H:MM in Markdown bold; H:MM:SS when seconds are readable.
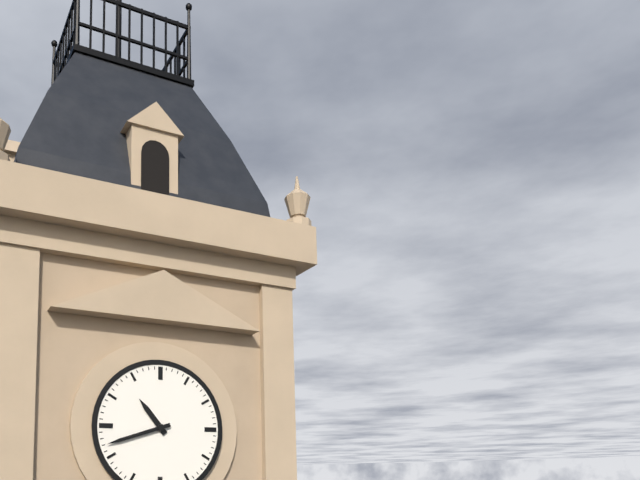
**10:42**
